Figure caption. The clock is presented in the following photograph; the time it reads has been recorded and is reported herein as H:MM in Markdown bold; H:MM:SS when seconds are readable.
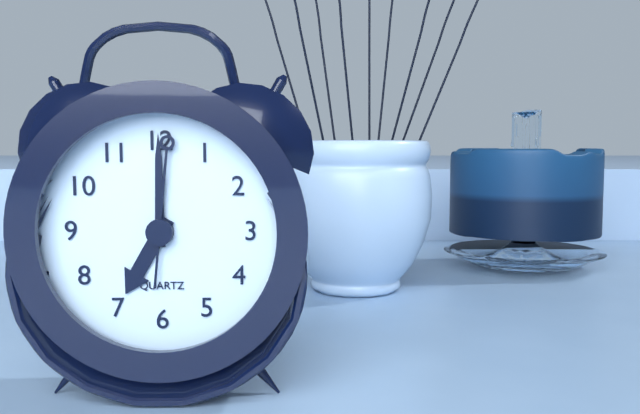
**7:00:01**
